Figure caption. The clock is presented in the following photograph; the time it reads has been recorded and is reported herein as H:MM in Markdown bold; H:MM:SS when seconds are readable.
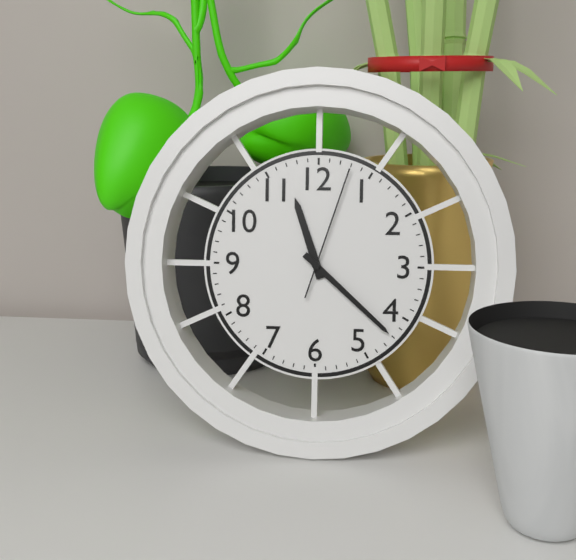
**11:22:03**
